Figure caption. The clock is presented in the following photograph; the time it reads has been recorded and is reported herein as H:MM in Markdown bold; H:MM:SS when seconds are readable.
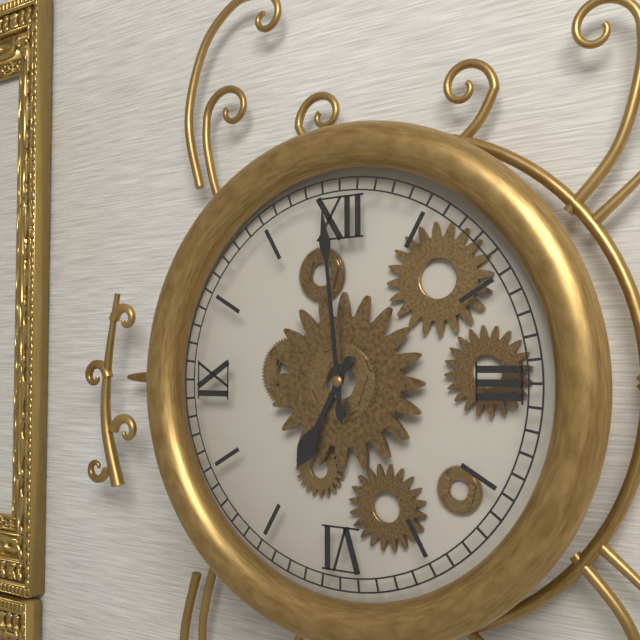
**6:59**
